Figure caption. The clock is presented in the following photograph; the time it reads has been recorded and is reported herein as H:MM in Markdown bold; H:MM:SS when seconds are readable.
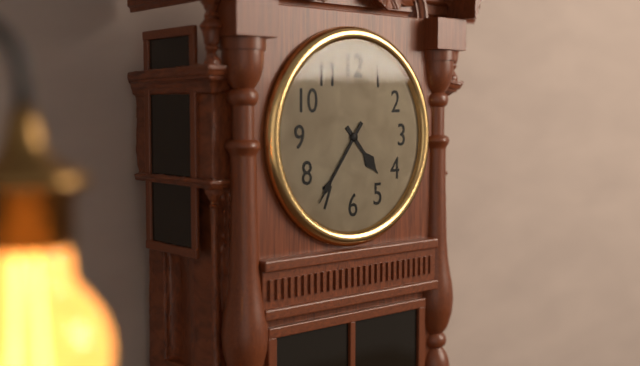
**4:36**
